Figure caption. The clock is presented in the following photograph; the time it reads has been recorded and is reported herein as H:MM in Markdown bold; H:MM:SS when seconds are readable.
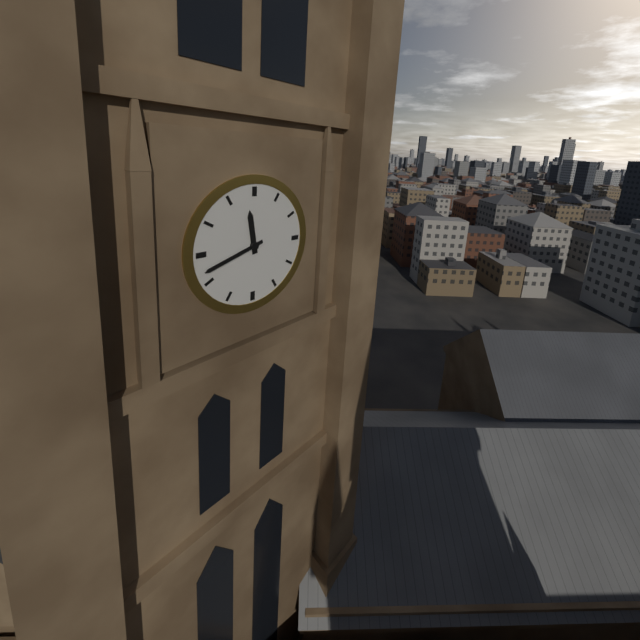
**11:42**
